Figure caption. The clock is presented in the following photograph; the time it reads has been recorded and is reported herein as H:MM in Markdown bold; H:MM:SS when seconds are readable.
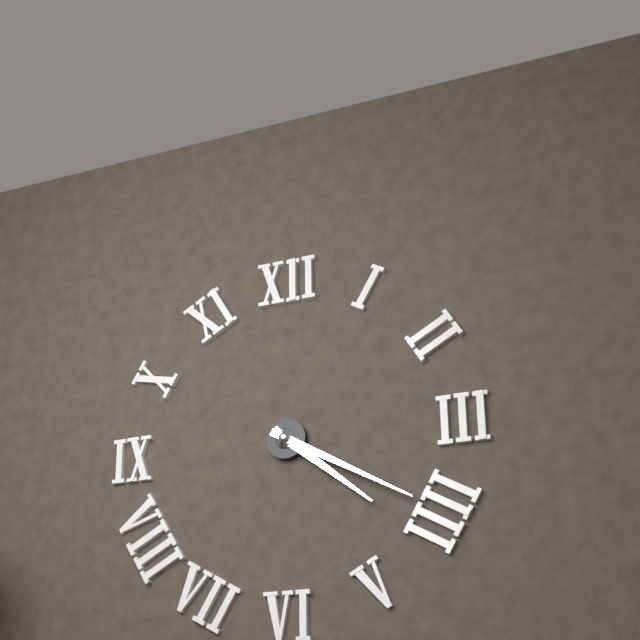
**4:20**
